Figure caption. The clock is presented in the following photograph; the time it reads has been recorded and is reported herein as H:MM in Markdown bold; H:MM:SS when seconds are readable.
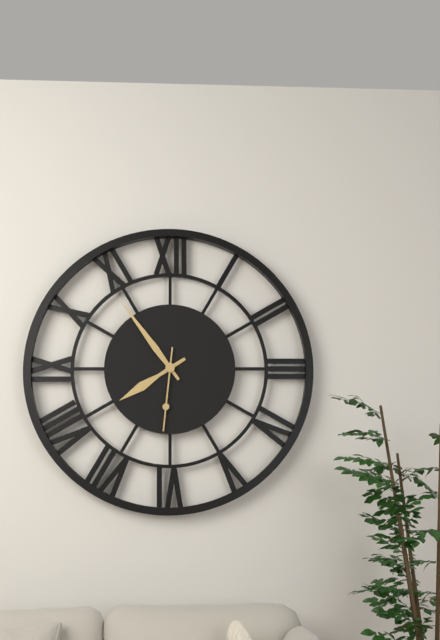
**7:54:31**
